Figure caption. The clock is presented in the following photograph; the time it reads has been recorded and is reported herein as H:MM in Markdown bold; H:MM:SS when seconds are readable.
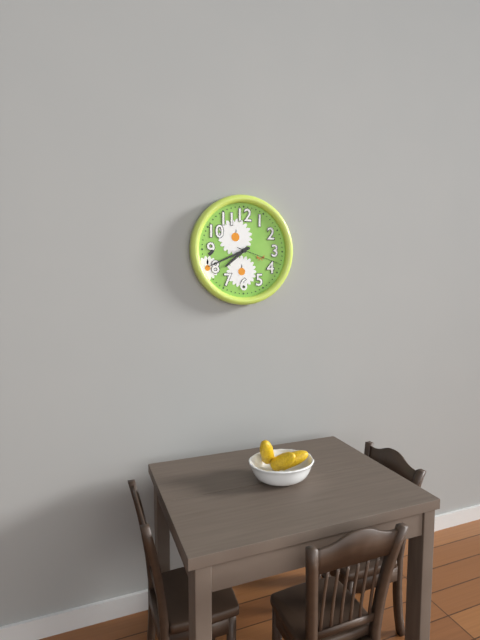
**7:41**
